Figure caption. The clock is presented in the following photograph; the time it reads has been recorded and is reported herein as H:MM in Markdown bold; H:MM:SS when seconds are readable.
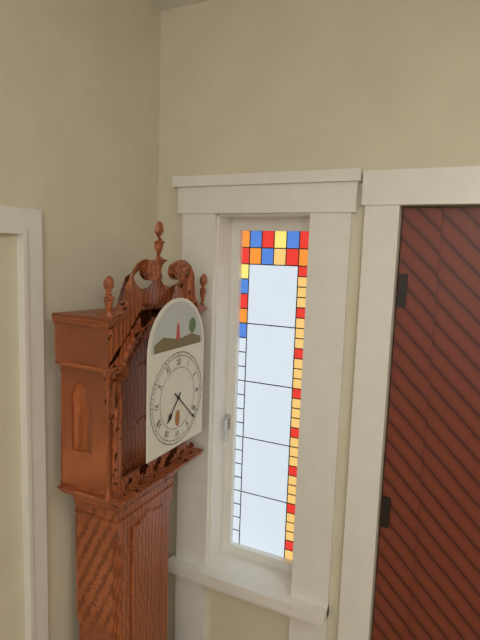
**7:22**
